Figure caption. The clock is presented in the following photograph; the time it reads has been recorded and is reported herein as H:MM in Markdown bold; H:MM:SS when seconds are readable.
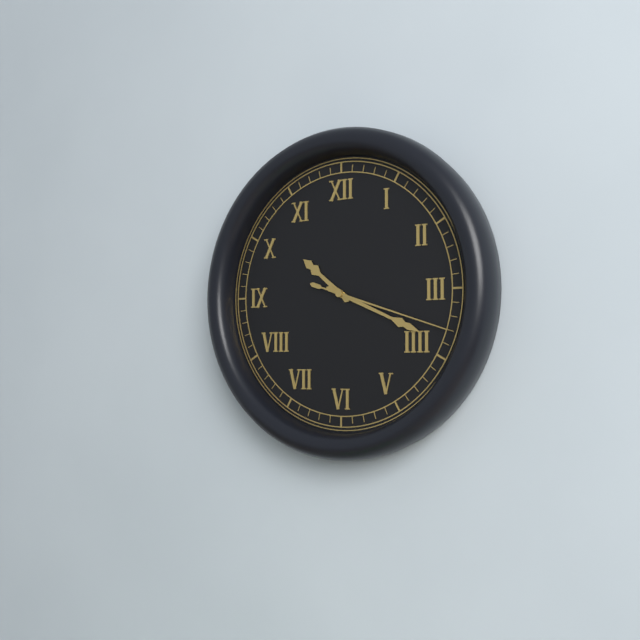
**10:19:18**
